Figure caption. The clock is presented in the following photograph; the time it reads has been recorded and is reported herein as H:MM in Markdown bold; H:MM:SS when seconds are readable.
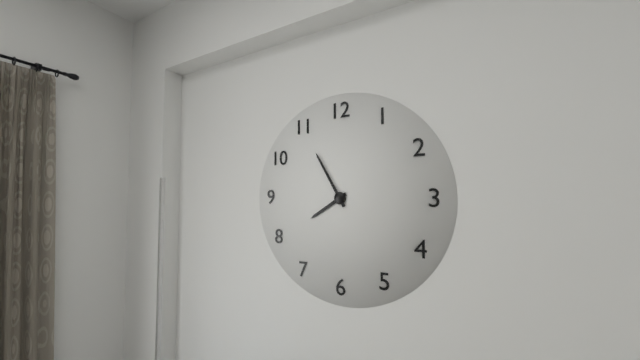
**7:55**
